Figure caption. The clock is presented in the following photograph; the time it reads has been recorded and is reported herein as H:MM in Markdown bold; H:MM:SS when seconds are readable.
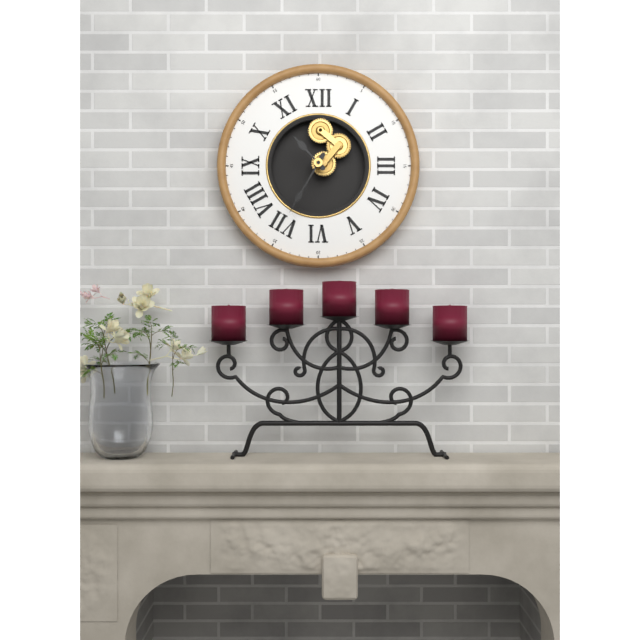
**10:35**
